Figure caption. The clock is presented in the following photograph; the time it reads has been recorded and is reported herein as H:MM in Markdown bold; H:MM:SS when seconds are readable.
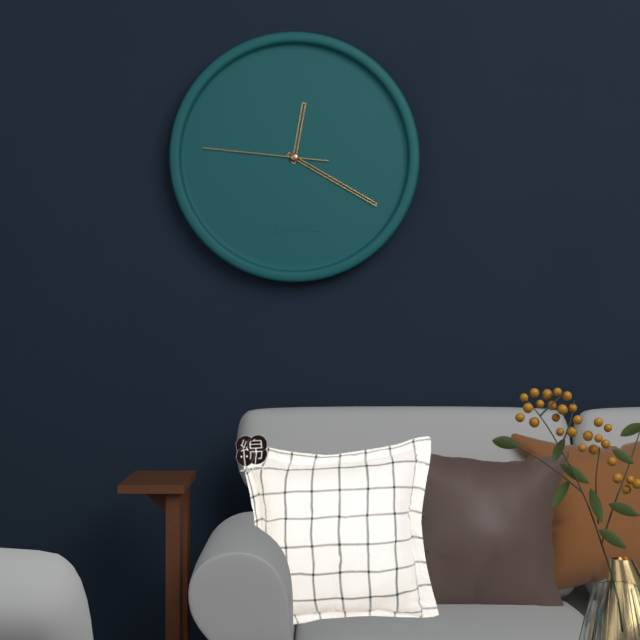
**12:20:46**
